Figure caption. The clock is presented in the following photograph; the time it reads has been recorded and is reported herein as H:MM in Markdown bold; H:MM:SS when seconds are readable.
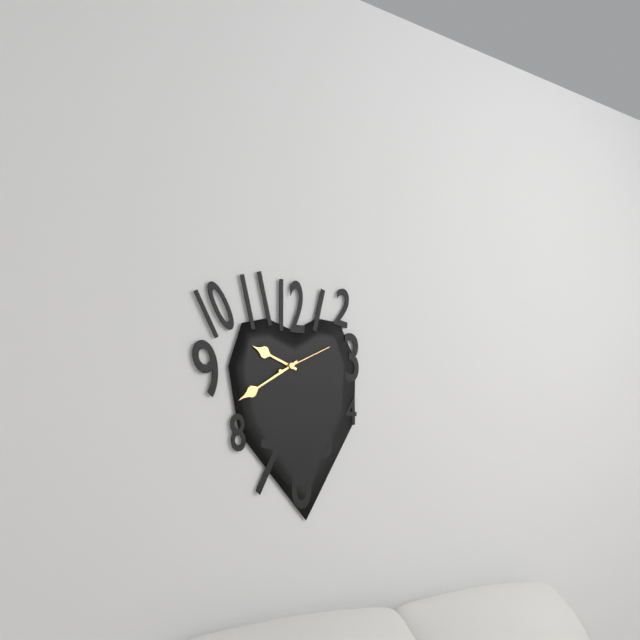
**9:40:11**
